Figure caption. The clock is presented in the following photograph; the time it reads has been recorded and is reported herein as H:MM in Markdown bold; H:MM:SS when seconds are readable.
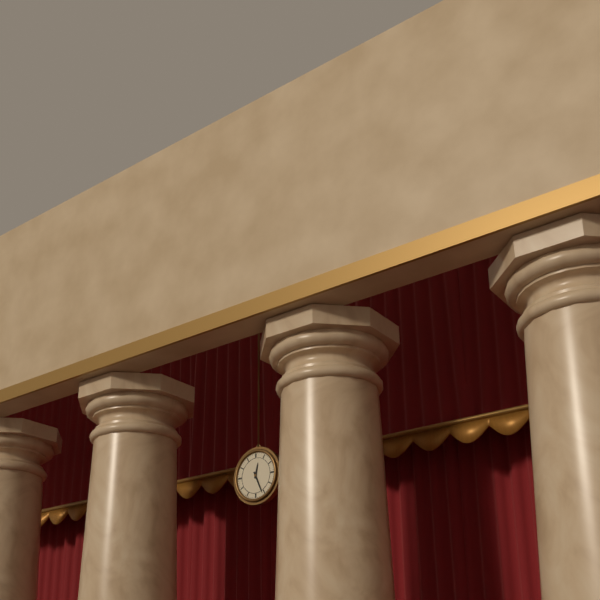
**12:26**
